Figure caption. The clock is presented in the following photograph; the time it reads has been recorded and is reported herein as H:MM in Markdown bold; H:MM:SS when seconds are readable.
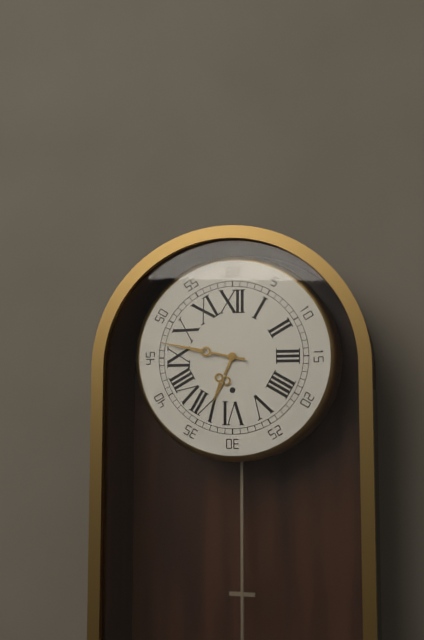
**6:47**
